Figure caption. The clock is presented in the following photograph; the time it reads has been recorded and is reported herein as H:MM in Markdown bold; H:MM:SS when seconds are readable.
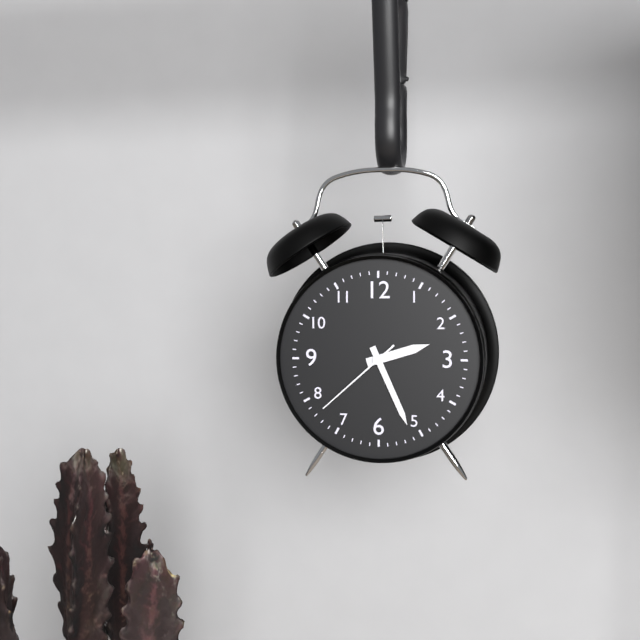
**2:26:38**
